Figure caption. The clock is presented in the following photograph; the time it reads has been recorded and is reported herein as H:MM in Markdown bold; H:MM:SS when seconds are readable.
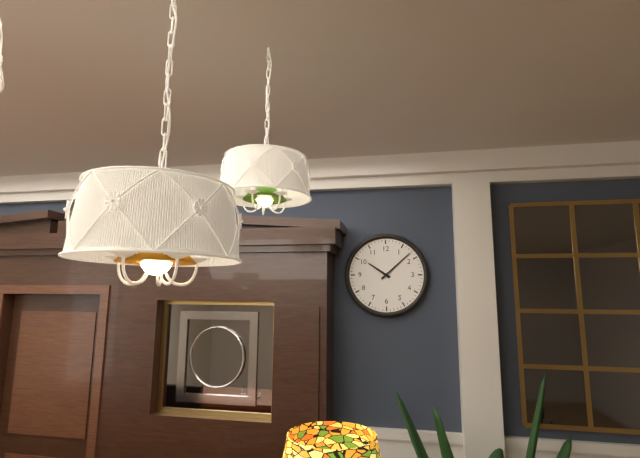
**10:08**
